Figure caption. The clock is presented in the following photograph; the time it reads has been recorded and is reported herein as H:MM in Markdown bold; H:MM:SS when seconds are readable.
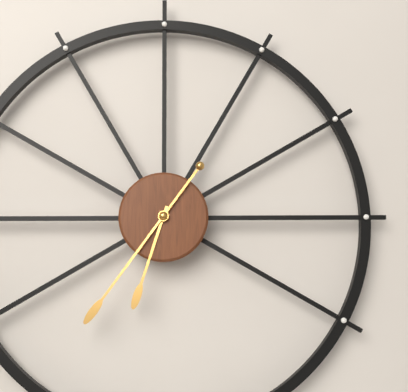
**6:36**
